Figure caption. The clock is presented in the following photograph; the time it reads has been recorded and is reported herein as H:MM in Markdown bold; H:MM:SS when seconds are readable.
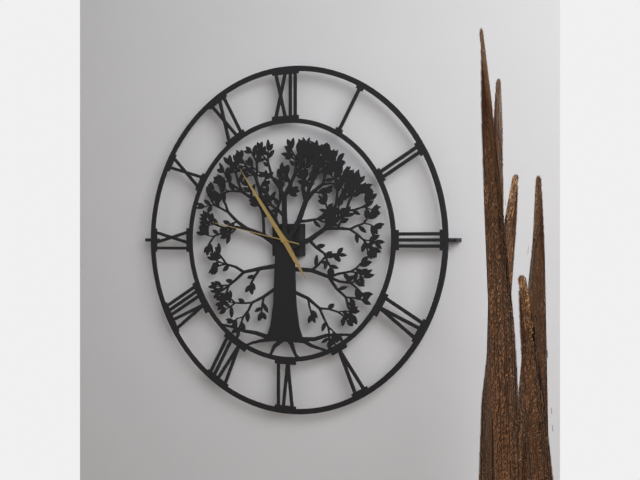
**4:54:47**
